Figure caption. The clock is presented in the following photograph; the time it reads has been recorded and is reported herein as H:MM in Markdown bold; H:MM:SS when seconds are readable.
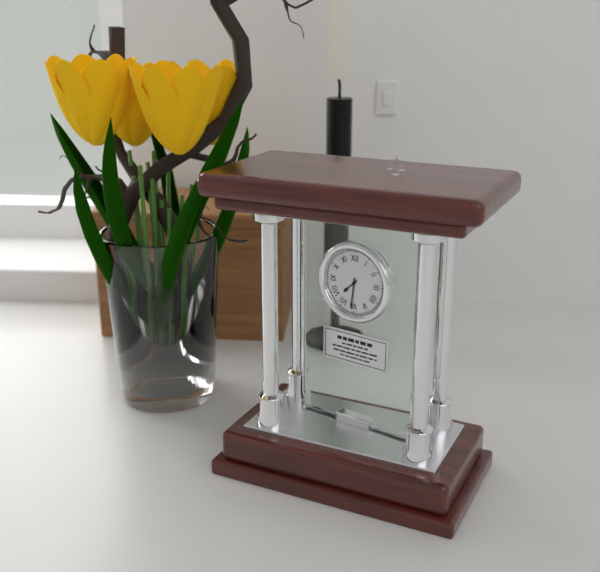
**7:31**
